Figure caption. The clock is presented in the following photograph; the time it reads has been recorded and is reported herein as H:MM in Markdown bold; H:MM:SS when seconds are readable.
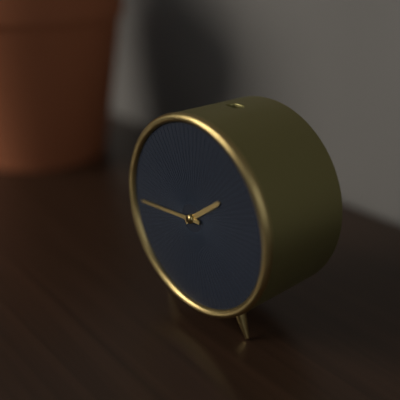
**1:44**
